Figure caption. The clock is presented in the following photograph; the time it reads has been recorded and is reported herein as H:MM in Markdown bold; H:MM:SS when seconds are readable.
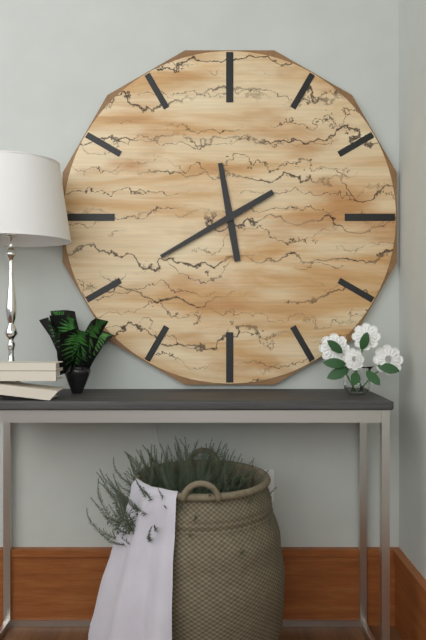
**11:40**
